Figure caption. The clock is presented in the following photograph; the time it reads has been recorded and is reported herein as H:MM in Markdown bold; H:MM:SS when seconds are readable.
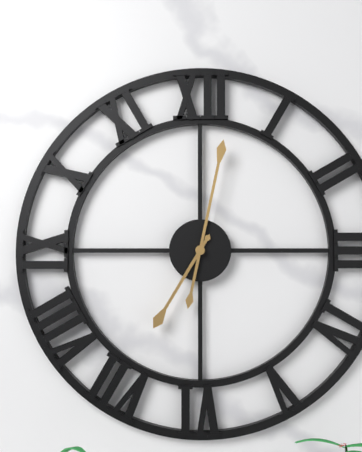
**7:02**
